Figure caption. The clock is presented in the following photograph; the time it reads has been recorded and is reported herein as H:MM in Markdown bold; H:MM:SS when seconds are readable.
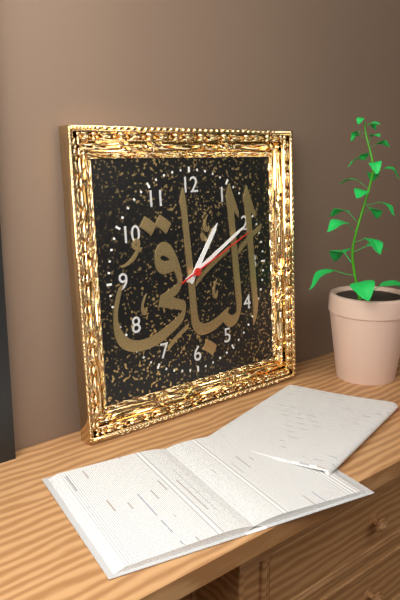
**1:10:11**
